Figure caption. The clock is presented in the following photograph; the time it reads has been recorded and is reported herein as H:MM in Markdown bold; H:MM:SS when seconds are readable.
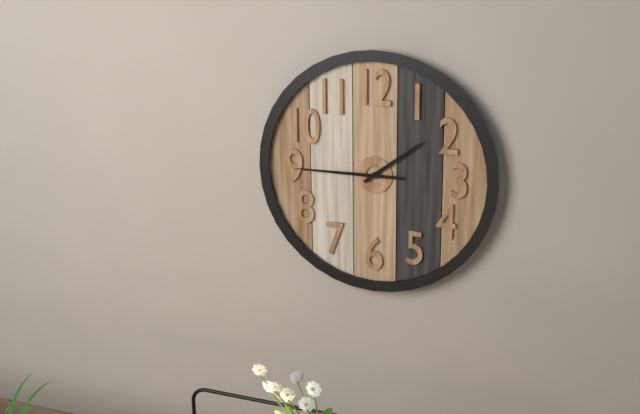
**1:45**
